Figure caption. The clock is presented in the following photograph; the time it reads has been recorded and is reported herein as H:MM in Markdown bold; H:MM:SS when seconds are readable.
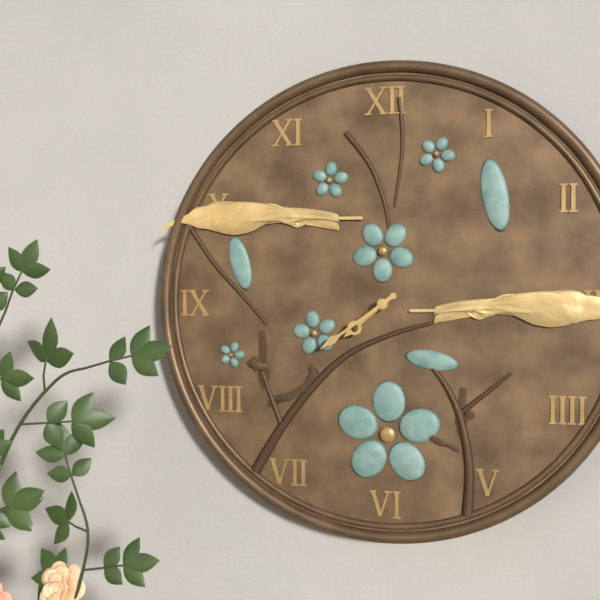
**7:39**
